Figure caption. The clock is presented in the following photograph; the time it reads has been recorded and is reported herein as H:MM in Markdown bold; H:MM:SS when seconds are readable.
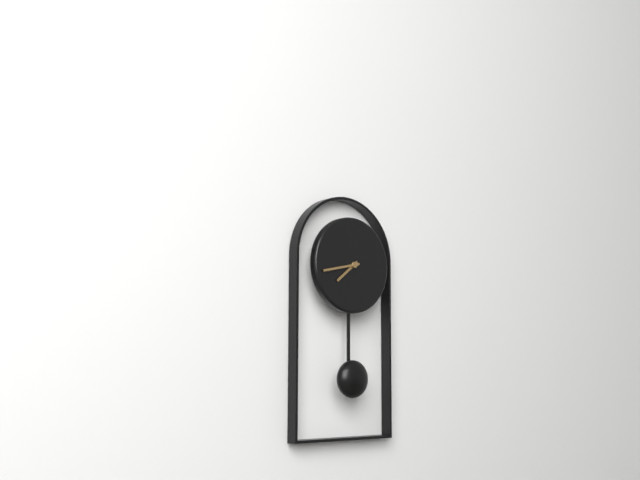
**7:43**
